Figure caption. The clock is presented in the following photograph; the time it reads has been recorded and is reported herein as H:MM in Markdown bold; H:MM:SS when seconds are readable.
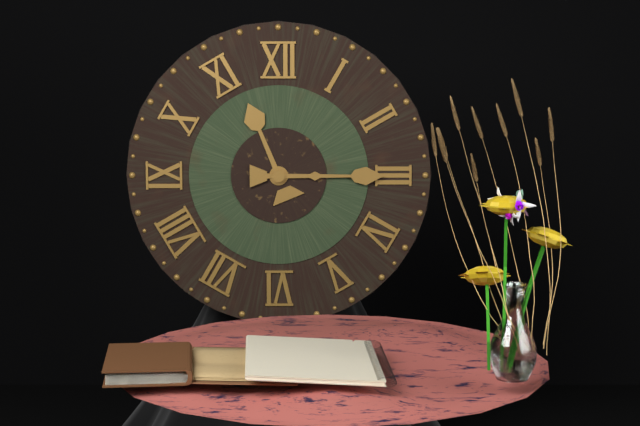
**11:15**
